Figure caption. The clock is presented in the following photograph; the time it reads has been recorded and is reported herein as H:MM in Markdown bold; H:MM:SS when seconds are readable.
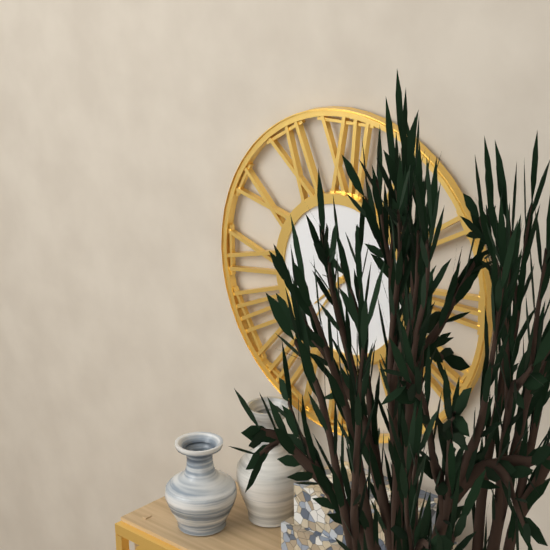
**7:36**
